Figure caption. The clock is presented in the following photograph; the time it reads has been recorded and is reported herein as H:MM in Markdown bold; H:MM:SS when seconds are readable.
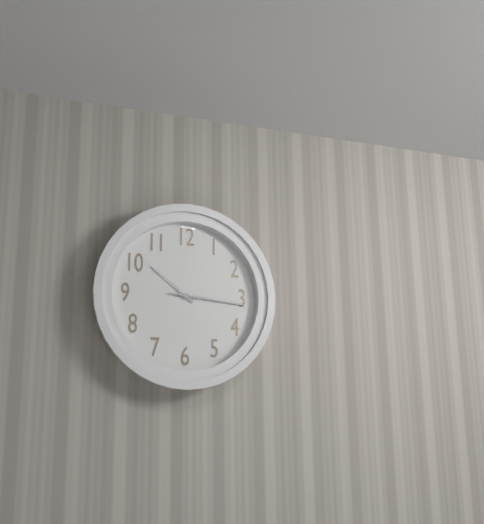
**10:16:16**
